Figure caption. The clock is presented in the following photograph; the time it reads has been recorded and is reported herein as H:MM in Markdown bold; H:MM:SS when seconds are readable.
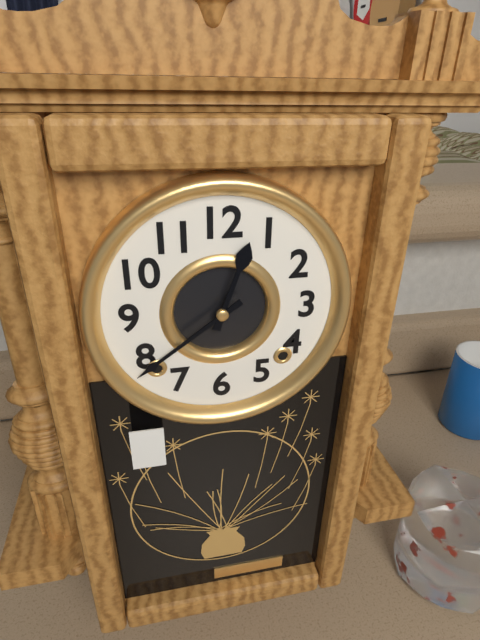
**12:39**
